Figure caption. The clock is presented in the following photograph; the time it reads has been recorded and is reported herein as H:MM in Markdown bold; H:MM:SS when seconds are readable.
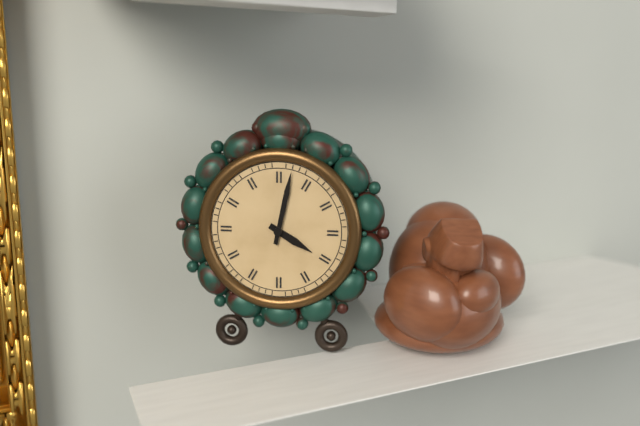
**4:02**
